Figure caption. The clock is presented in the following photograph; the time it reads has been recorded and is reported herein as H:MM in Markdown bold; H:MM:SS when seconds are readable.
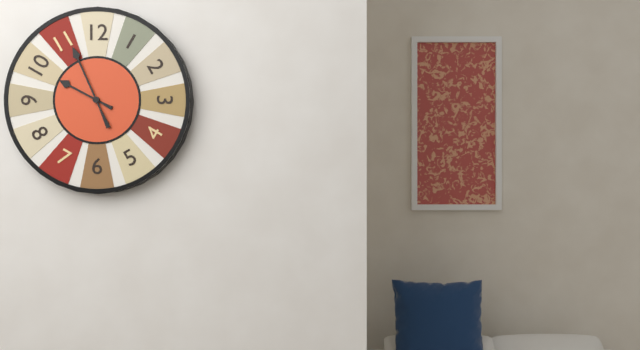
**9:56**
